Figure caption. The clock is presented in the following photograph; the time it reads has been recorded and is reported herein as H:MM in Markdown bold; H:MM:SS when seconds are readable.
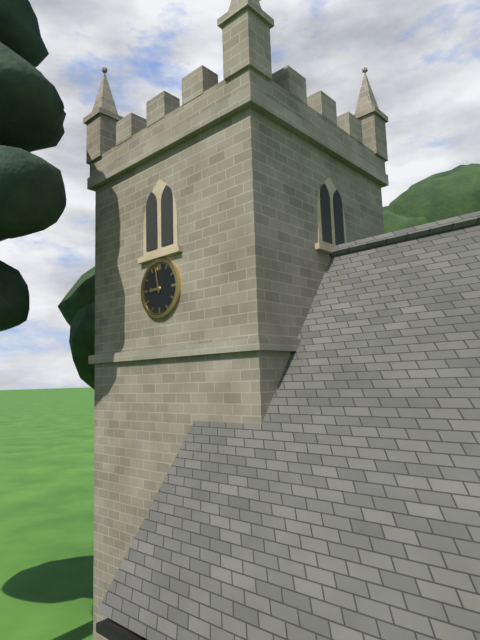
**8:58**
